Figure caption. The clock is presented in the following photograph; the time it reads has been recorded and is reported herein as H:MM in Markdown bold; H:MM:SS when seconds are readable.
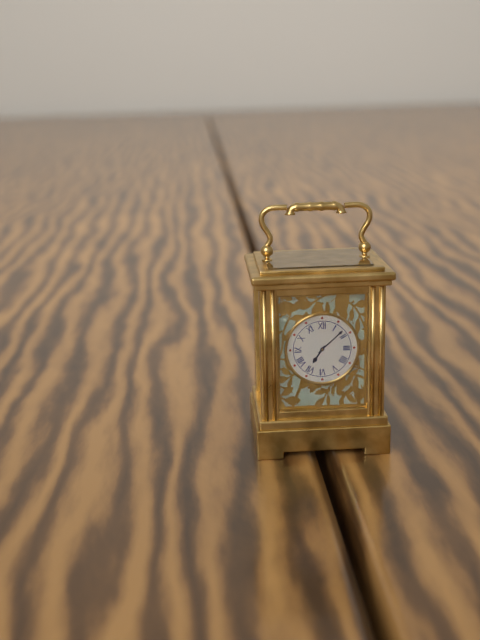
**7:08**
